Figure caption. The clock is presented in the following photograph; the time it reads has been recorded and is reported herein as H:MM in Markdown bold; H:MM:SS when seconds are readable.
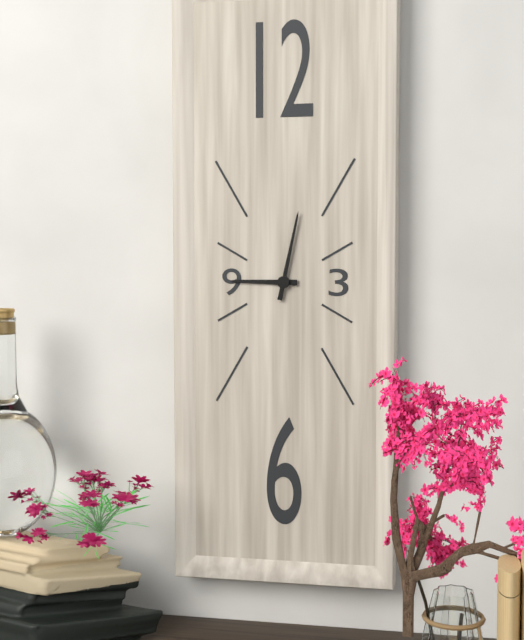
**9:02**
